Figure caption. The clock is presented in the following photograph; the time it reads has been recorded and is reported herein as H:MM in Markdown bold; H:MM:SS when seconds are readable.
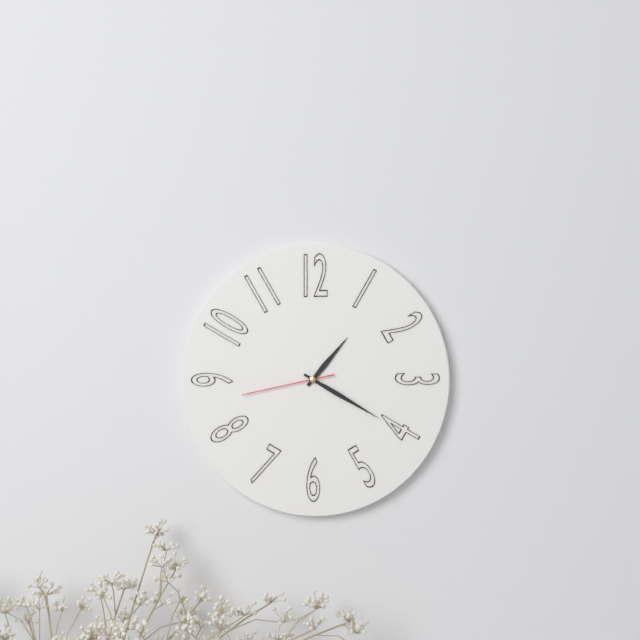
**1:20:43**
